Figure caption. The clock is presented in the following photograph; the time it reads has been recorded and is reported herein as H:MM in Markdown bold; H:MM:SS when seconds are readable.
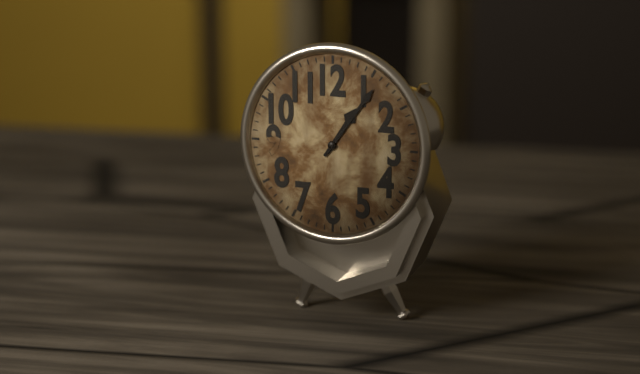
**1:06**
